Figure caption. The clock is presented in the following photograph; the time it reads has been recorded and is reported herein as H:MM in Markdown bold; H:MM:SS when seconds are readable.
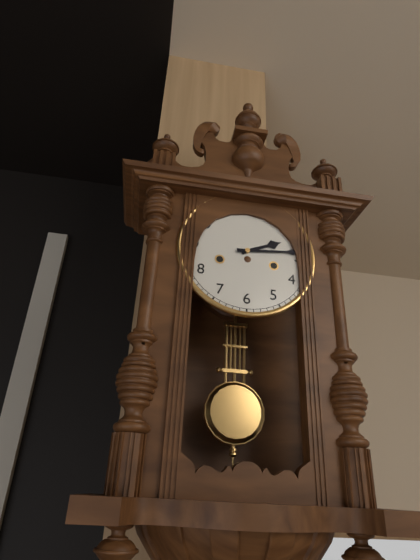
**2:14**
